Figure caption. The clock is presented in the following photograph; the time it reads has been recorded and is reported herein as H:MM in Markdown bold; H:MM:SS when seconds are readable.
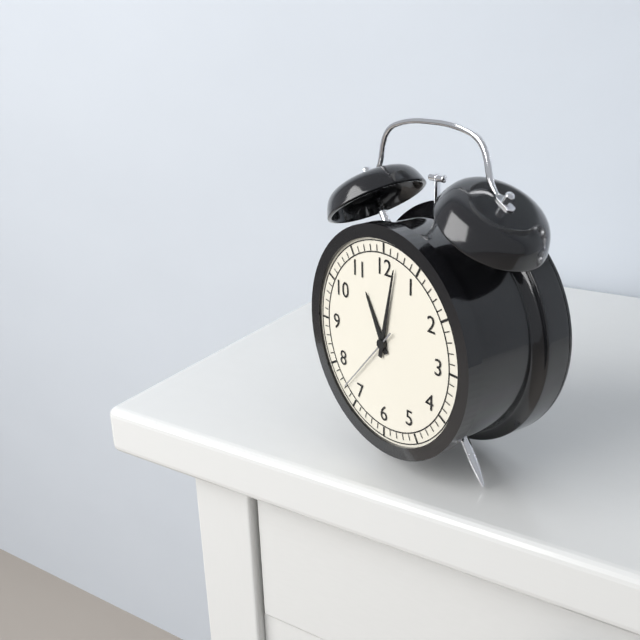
**11:02:37**
